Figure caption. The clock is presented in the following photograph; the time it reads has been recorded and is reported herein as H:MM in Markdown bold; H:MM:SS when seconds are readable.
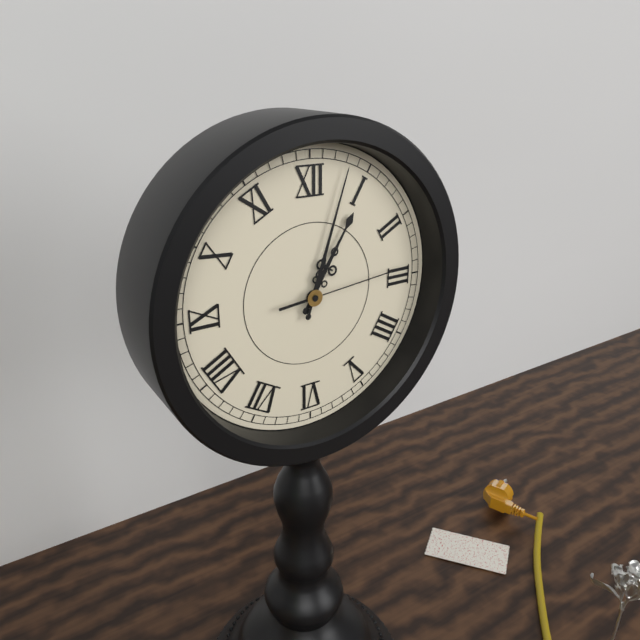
**1:03:14**
